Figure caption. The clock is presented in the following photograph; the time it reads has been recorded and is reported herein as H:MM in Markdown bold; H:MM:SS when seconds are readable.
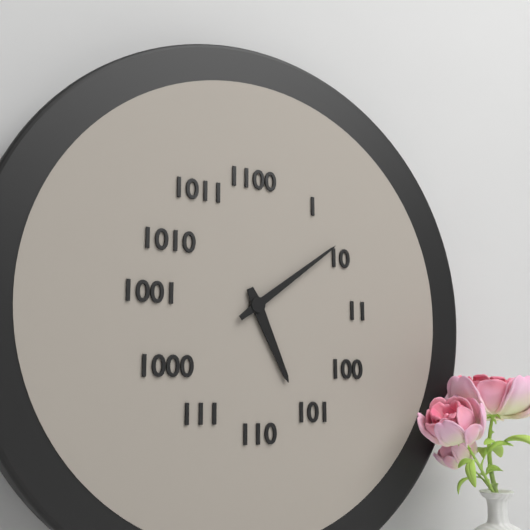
**5:09**
